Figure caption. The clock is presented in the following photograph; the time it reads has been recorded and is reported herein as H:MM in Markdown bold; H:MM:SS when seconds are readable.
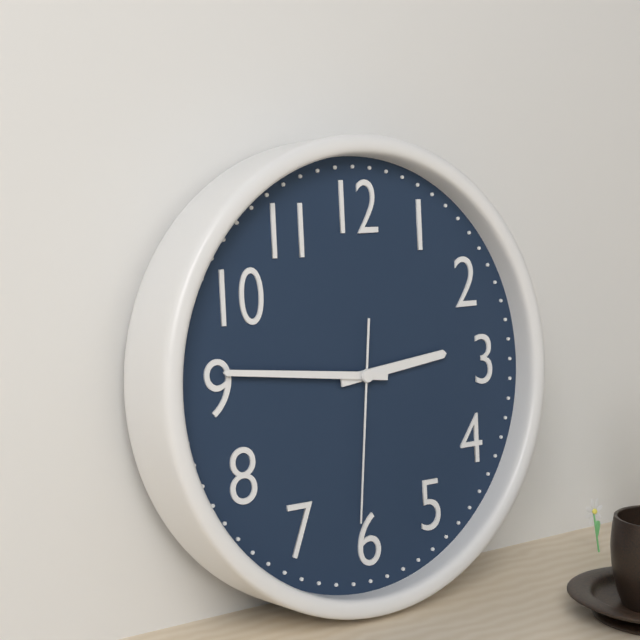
**2:46:31**
